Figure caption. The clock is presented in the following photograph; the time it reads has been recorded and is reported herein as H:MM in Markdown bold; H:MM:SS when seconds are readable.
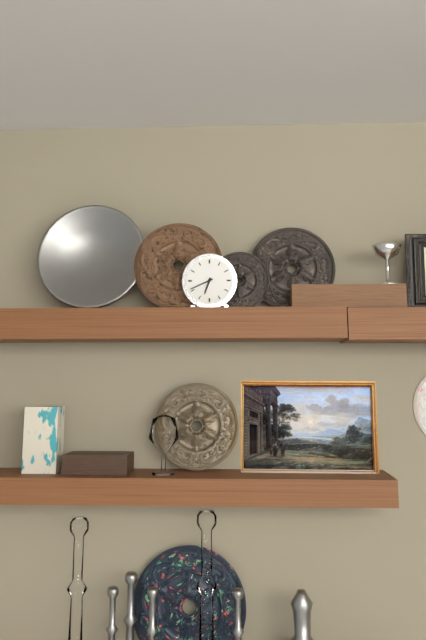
**6:41**
